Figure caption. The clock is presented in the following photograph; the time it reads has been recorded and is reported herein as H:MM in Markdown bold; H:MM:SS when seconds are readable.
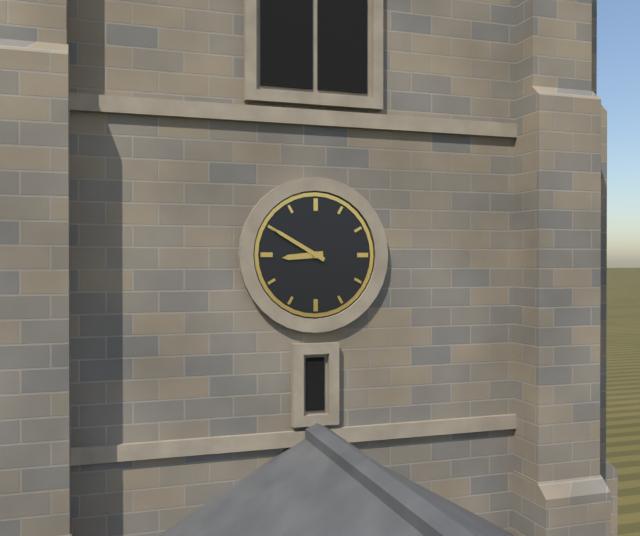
**8:50**
